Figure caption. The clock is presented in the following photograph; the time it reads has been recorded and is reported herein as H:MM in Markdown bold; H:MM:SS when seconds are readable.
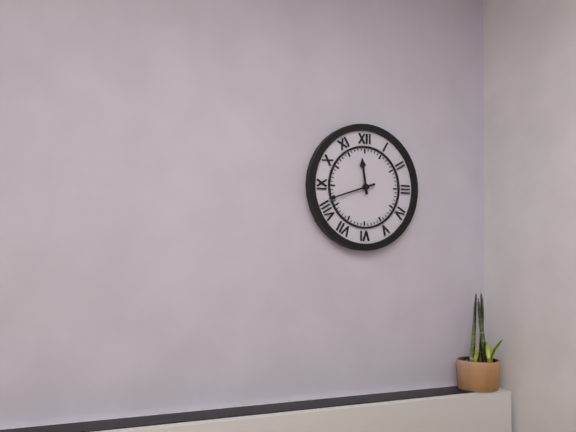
**11:42**
